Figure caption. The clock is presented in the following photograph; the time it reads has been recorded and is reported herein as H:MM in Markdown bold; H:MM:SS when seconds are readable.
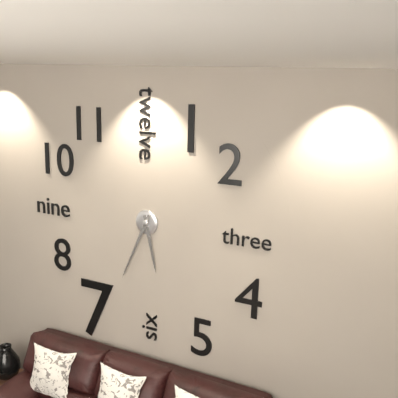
**5:34**
